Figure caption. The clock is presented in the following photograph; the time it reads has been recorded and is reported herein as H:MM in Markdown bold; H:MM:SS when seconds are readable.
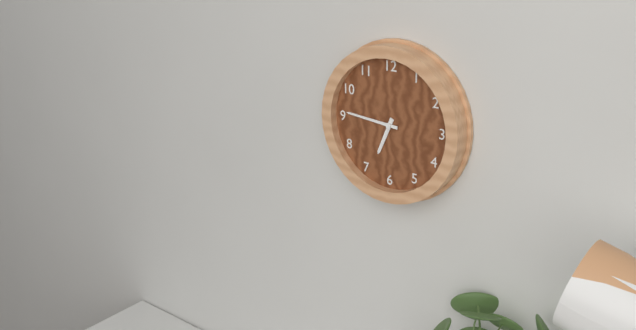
**6:46**
